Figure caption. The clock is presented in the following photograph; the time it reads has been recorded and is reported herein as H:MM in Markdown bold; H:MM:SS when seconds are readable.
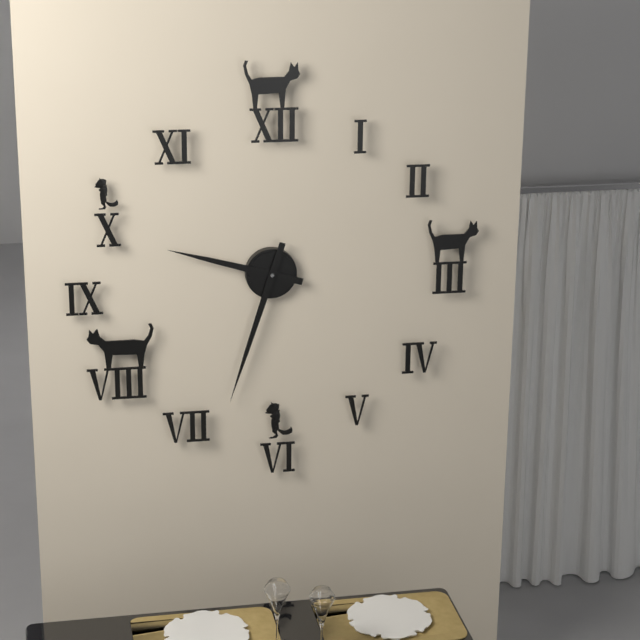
**9:33**
